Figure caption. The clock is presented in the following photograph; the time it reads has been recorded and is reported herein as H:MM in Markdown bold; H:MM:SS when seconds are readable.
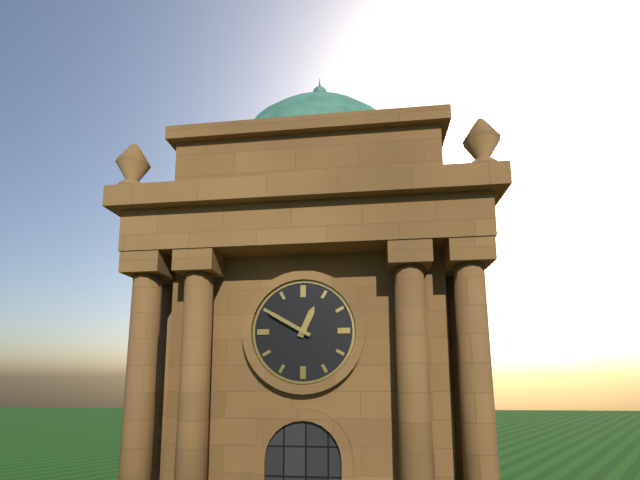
**12:50**
